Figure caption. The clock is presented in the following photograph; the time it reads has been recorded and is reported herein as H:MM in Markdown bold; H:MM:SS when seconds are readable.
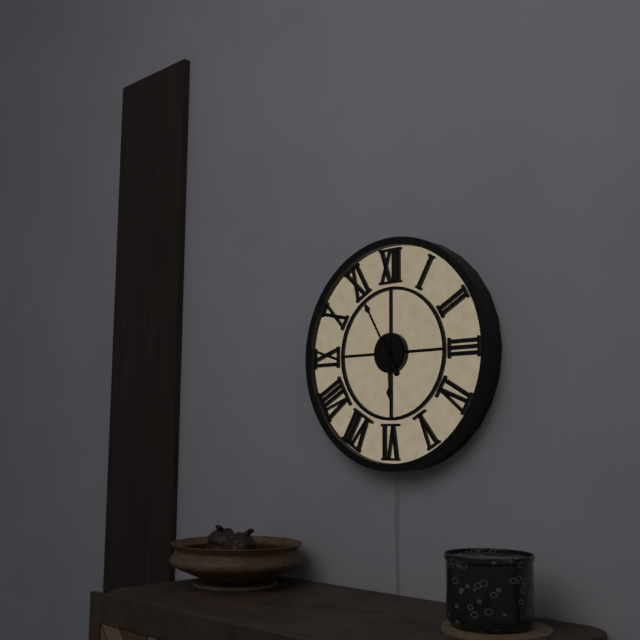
**5:55**
